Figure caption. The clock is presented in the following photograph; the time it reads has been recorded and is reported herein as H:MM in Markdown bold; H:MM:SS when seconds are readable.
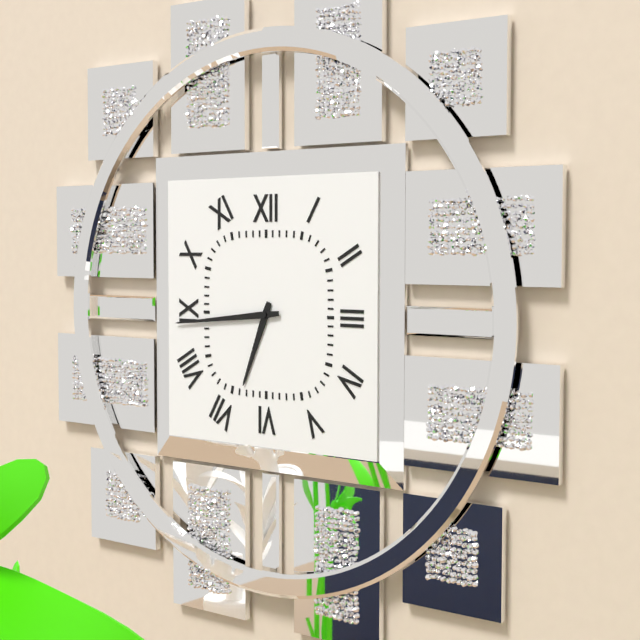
**6:44**
